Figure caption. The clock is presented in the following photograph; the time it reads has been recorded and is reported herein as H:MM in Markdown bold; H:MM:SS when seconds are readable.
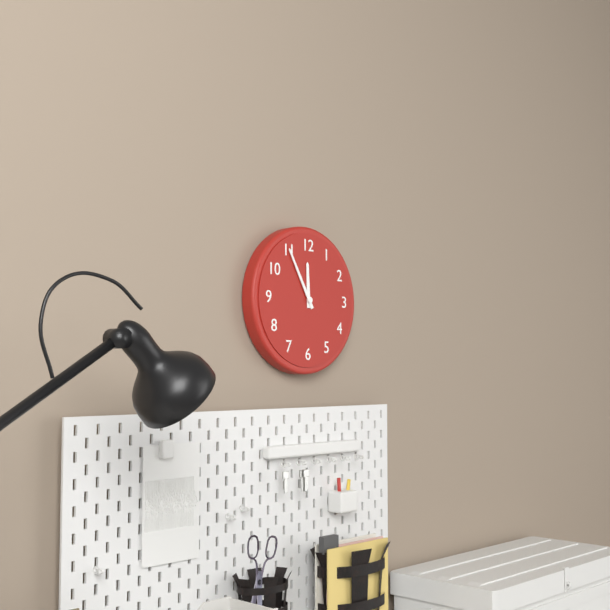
**11:55**
